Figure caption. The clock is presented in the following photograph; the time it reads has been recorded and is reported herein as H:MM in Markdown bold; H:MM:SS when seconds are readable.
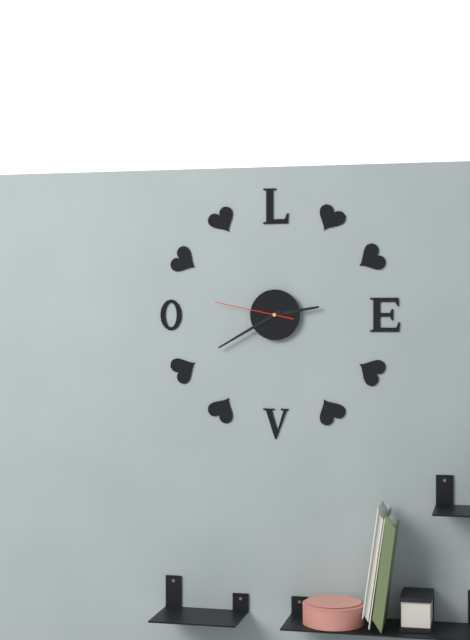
**2:40:47**
